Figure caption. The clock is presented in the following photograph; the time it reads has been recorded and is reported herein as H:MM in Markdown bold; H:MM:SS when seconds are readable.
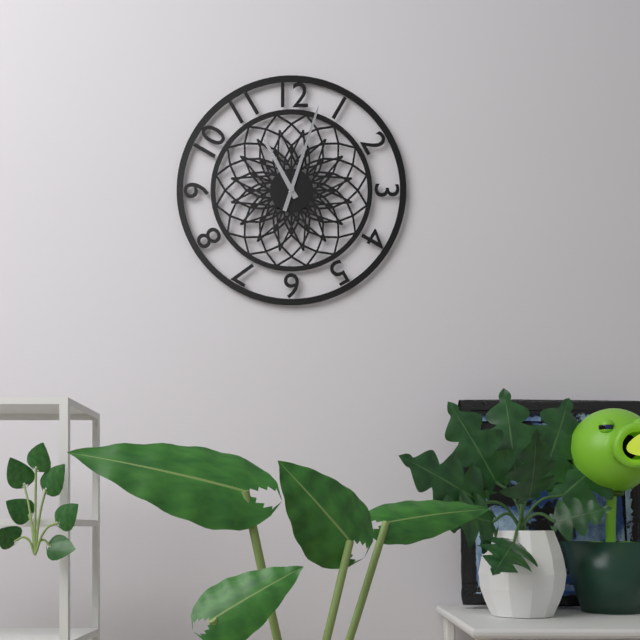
**11:03**
